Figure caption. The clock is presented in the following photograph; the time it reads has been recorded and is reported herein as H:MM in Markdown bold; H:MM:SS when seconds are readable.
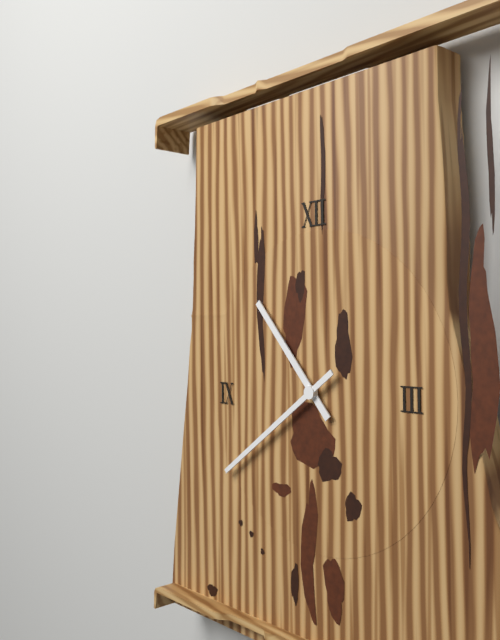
**10:39**
